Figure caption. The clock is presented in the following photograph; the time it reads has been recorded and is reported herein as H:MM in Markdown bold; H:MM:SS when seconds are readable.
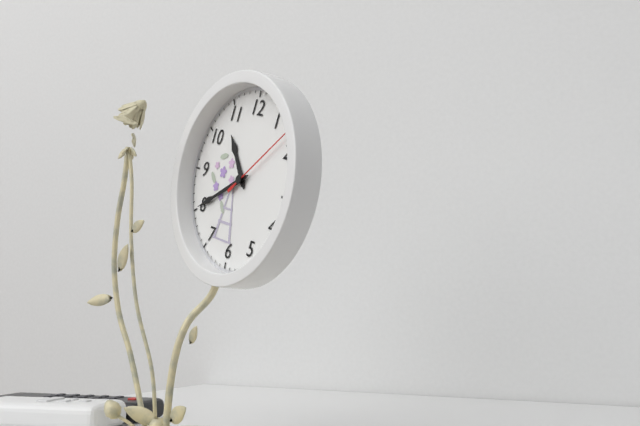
**10:40:08**
